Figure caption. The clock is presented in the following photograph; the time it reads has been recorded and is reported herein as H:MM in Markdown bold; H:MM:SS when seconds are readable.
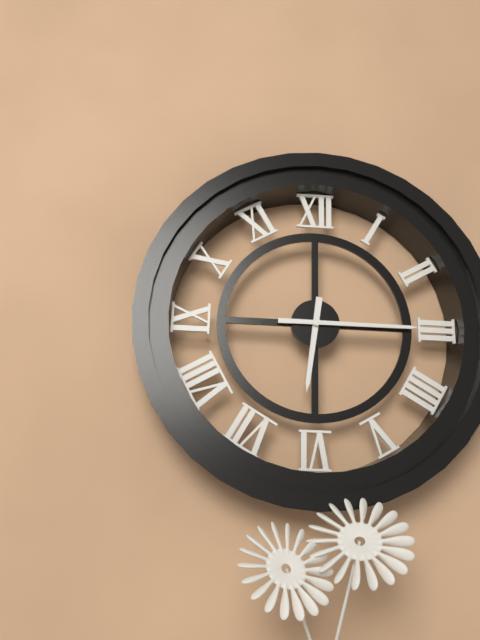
**6:15**
